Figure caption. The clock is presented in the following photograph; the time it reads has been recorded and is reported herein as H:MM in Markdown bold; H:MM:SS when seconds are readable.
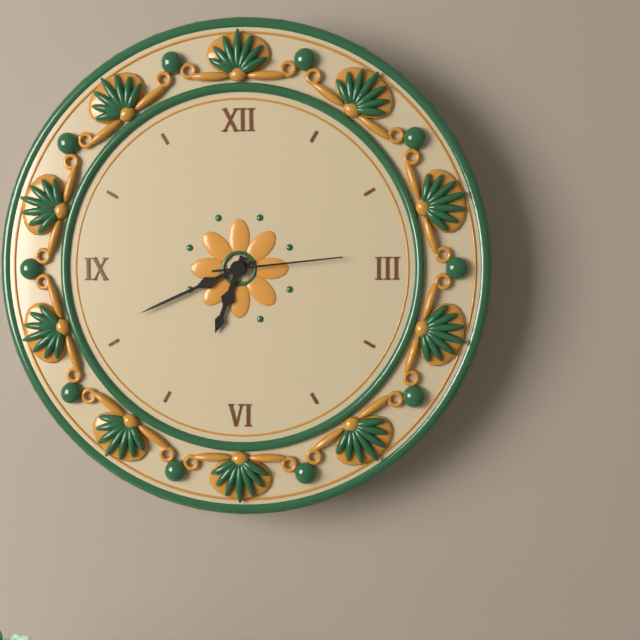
**6:41:14**
